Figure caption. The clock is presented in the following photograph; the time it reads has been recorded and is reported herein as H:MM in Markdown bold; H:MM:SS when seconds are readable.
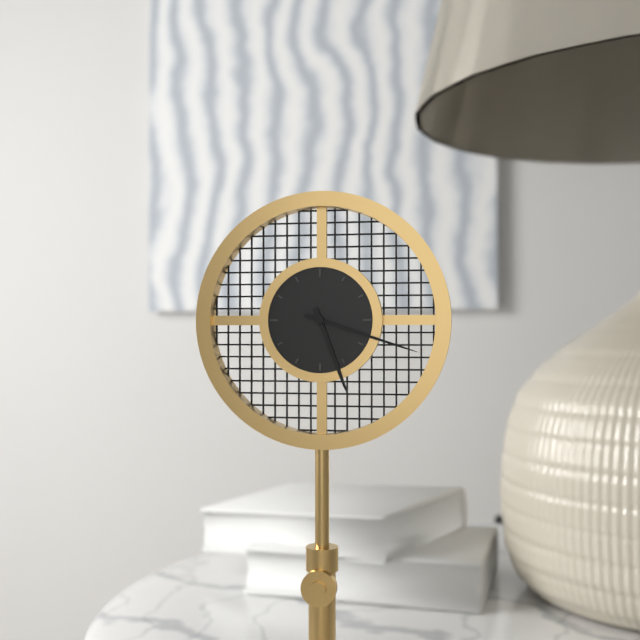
**5:18**
